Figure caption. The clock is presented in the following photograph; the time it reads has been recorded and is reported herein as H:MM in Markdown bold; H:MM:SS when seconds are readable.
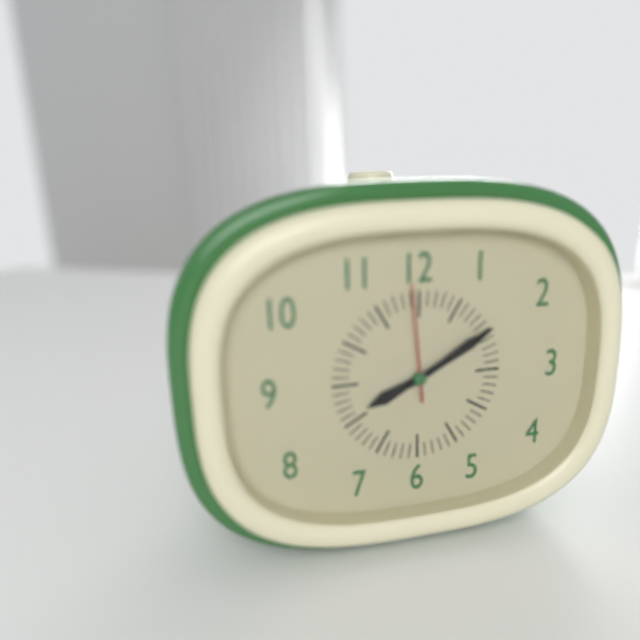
**8:10:59**
